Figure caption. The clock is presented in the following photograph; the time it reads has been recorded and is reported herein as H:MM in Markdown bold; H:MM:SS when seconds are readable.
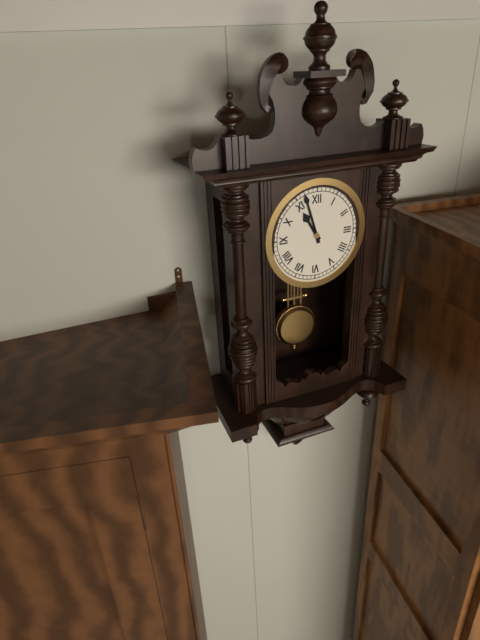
**10:57**
